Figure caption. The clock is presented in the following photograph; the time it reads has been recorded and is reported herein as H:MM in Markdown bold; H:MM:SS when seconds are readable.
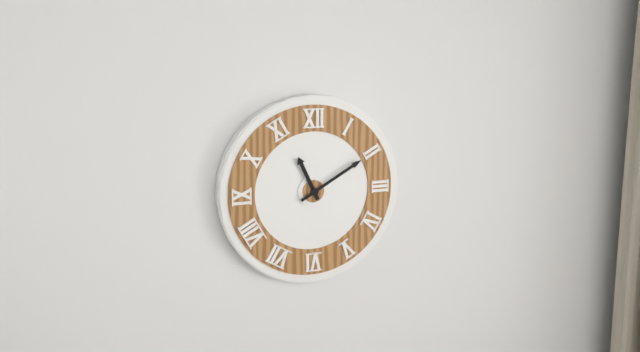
**11:10**
